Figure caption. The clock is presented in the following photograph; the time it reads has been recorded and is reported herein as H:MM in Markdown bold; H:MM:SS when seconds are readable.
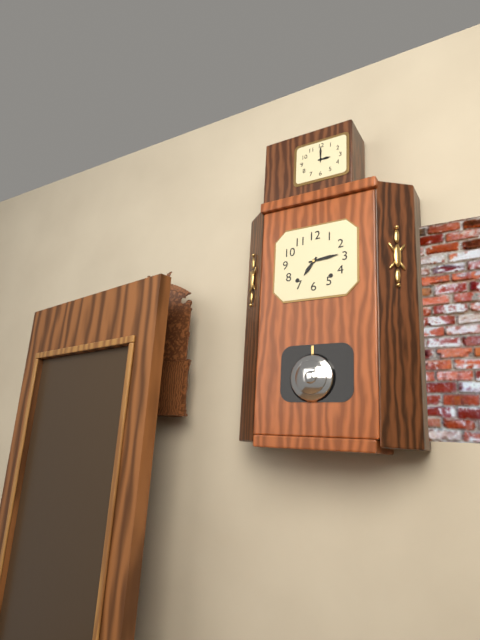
**7:14**
